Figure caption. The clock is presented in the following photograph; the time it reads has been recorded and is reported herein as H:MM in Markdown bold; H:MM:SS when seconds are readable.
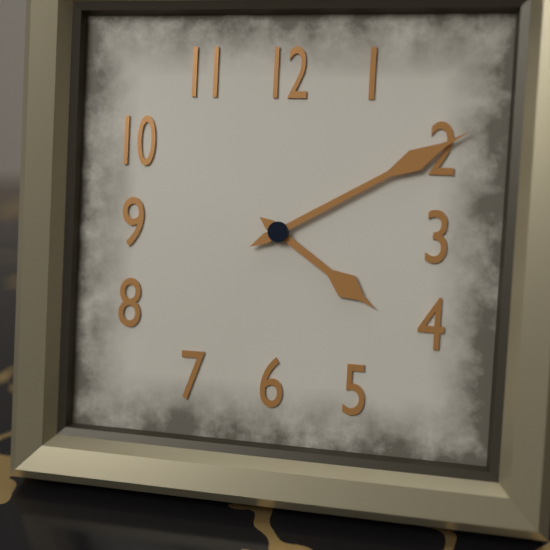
**4:10**
